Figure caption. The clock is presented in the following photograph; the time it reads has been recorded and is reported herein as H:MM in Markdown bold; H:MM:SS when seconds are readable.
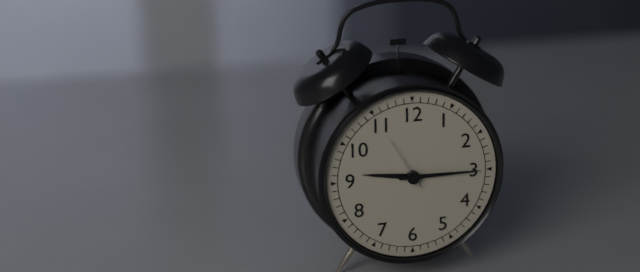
**9:15:55**
